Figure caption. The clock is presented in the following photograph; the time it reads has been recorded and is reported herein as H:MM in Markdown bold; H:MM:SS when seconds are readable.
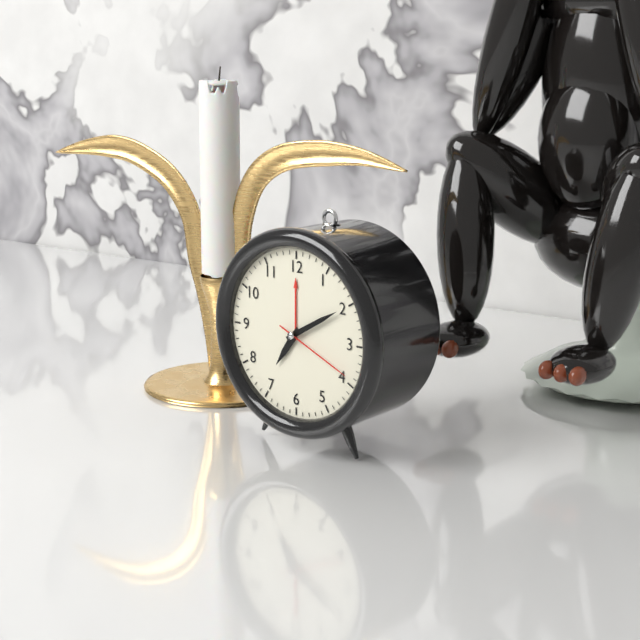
**7:10:19**
